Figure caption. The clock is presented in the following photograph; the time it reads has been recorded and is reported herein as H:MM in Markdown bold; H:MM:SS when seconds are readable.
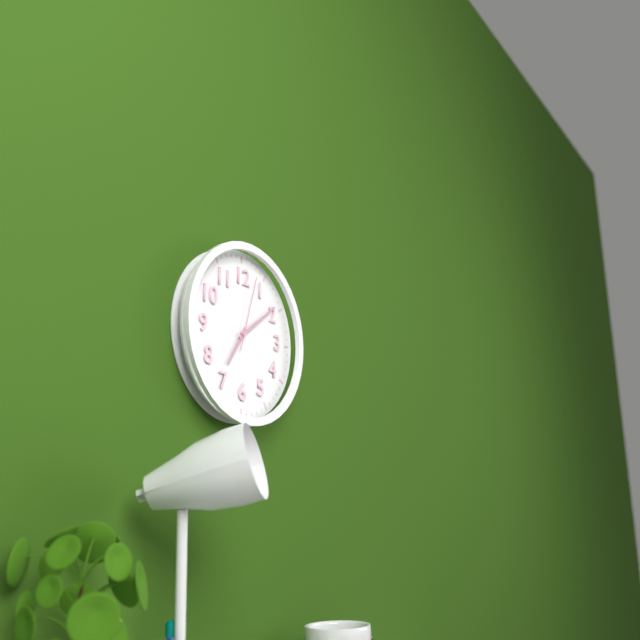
**7:09:03**
